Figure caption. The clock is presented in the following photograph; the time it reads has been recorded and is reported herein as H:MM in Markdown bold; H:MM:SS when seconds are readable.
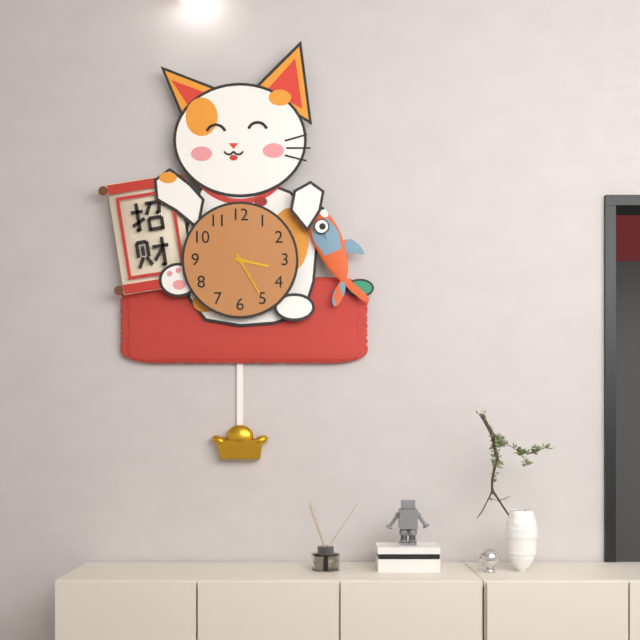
**3:25**
